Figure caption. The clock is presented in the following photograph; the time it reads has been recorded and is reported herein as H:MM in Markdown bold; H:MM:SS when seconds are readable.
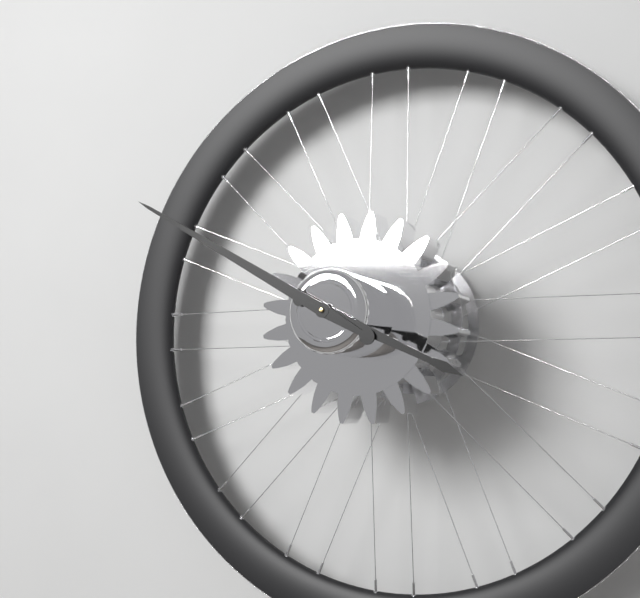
**3:50**
